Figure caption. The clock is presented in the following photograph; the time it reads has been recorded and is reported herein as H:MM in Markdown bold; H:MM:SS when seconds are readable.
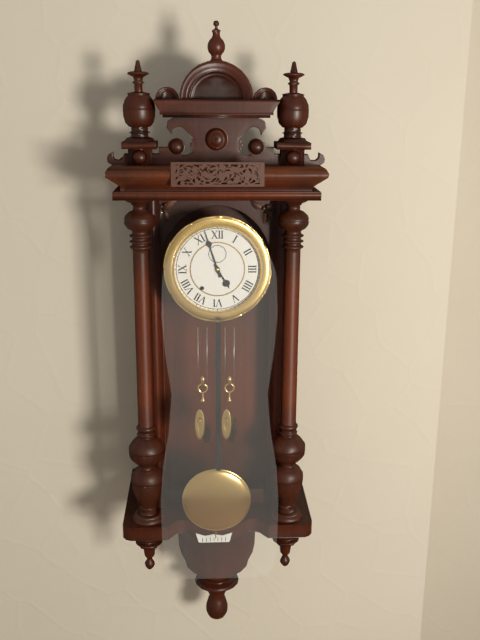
**4:57**
